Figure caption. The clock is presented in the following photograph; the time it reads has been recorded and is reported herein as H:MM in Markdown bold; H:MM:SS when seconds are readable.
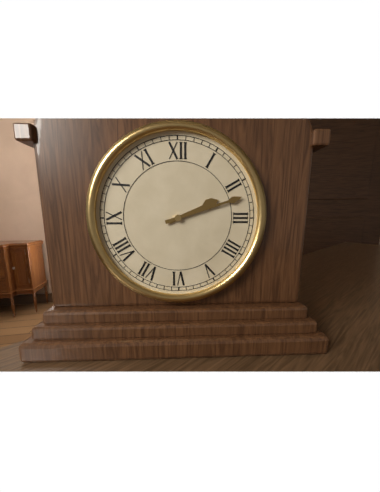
**2:12**
